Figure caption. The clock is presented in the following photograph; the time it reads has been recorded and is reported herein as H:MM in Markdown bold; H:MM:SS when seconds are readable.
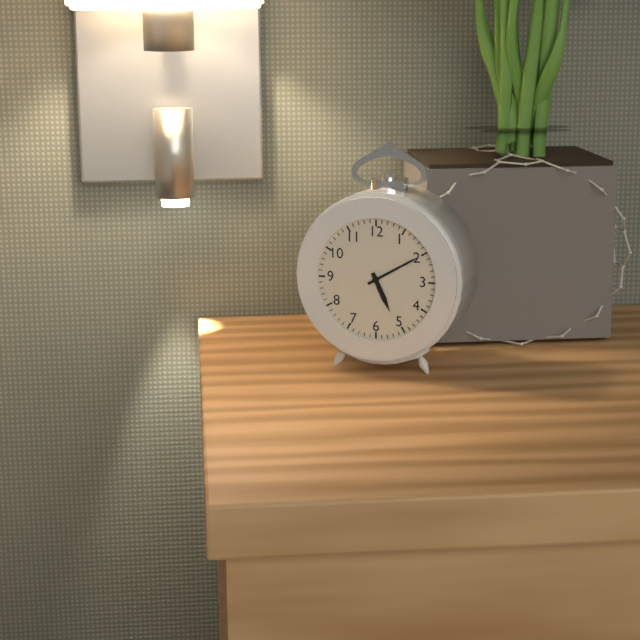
**5:10**
